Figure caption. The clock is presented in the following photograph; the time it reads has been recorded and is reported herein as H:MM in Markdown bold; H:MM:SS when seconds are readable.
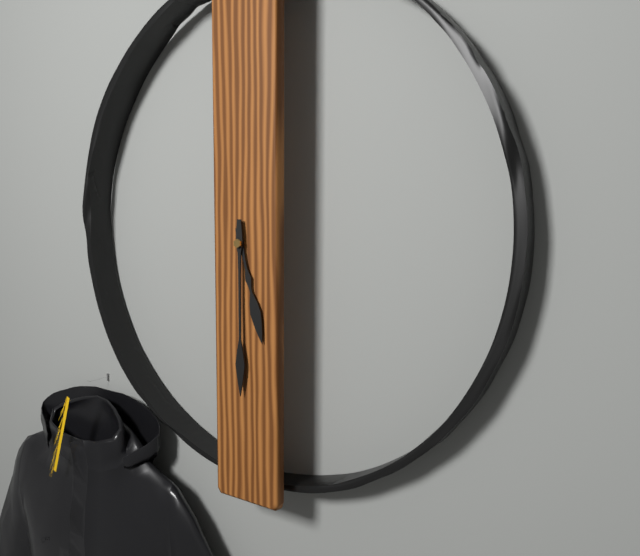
**5:30**
